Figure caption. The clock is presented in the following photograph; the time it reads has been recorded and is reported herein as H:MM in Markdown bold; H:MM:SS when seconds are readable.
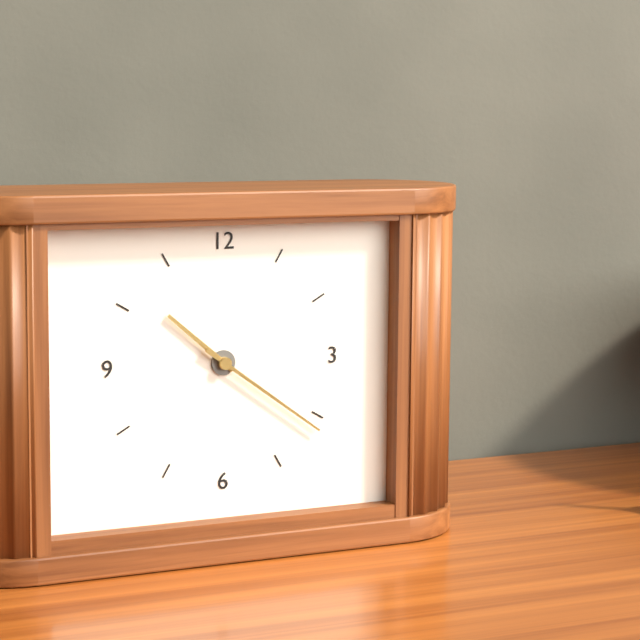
**10:21**
